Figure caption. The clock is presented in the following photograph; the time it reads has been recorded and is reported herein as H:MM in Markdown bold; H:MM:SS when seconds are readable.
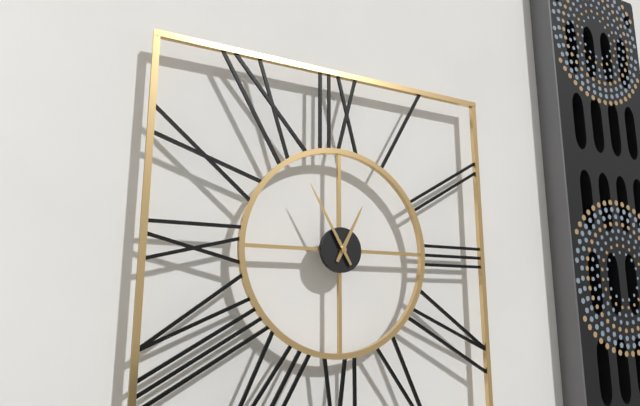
**12:55**
